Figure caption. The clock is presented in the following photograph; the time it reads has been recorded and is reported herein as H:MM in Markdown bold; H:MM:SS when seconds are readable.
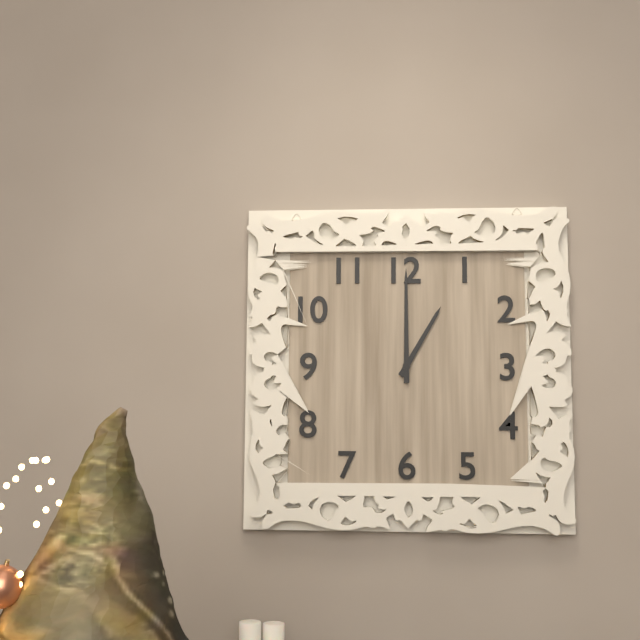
**1:00**
